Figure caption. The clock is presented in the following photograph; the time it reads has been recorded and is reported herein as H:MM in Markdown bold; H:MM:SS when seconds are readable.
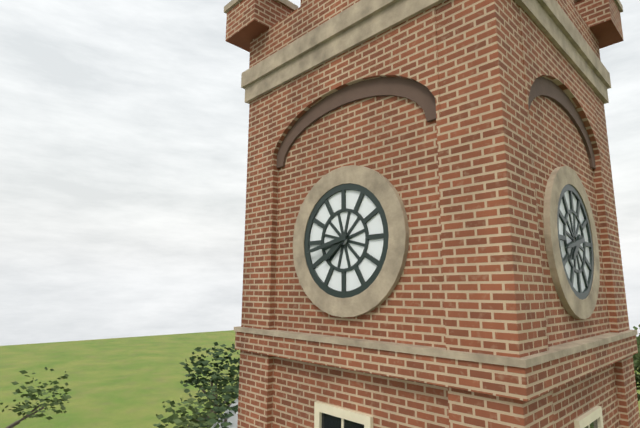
**7:43**
